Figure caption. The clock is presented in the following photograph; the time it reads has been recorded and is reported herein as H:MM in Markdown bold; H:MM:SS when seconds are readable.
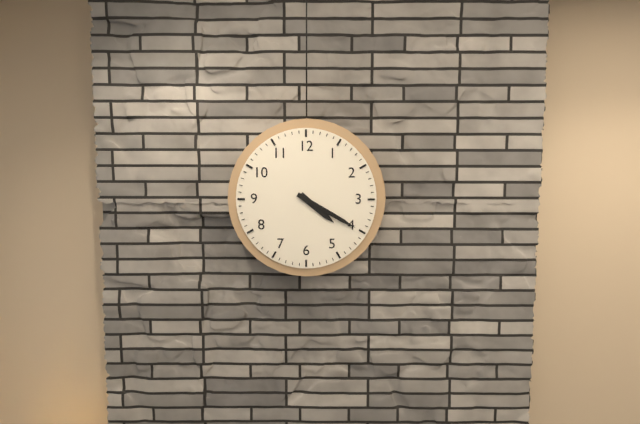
**4:20**
